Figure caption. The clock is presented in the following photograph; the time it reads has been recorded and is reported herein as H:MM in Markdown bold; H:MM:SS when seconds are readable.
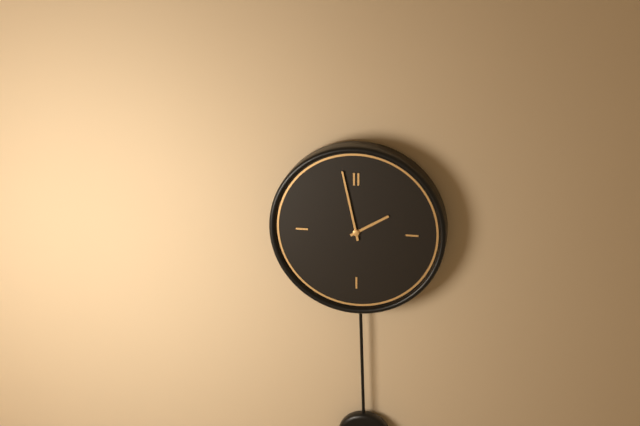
**1:58**
